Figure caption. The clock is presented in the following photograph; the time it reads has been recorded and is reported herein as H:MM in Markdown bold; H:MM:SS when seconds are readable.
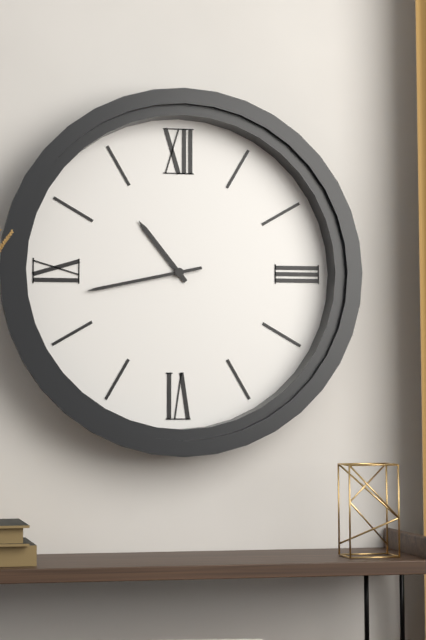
**10:43**
